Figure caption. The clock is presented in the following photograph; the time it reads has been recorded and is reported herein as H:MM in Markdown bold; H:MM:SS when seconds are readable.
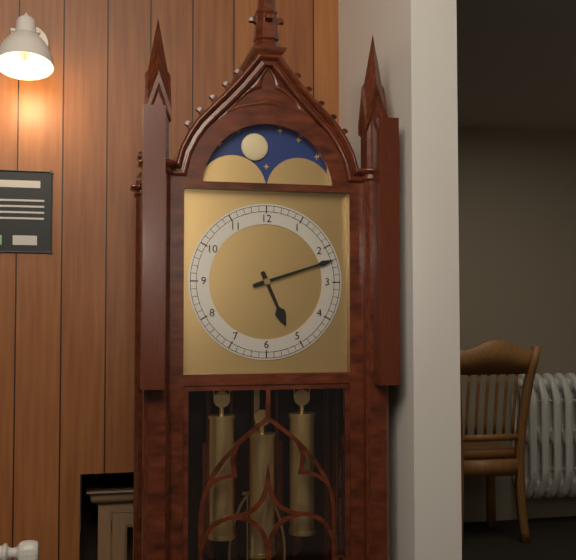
**5:12**
